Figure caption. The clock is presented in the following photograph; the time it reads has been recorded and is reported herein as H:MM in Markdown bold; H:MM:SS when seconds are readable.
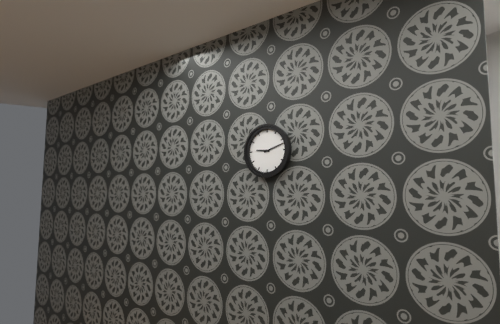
**9:12**
